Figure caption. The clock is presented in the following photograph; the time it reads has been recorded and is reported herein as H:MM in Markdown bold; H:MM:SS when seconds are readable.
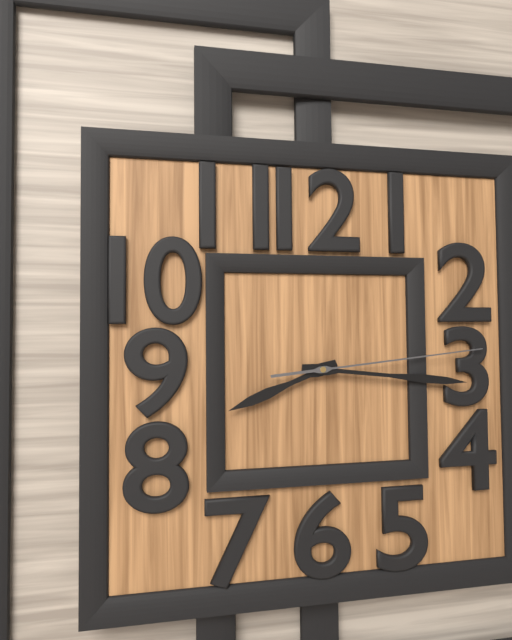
**8:16:14**
